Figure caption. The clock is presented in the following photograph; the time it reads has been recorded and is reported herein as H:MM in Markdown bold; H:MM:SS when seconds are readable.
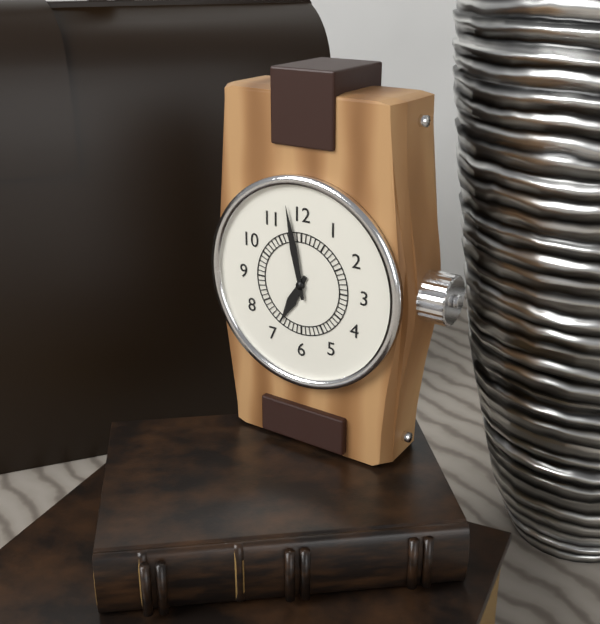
**6:58**
